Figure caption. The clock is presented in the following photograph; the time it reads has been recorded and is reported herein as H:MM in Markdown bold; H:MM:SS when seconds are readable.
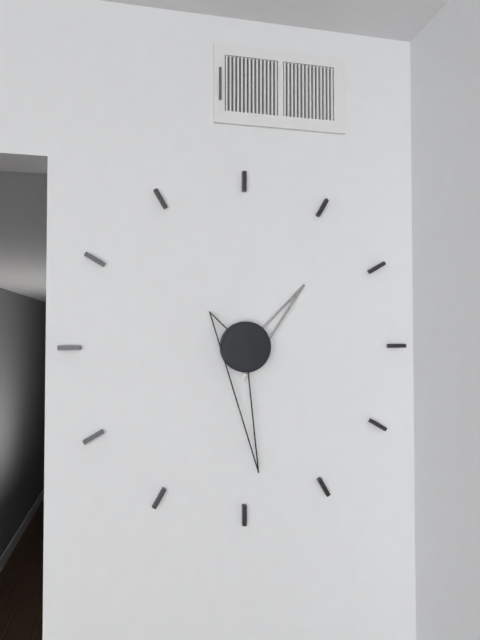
**1:29**
